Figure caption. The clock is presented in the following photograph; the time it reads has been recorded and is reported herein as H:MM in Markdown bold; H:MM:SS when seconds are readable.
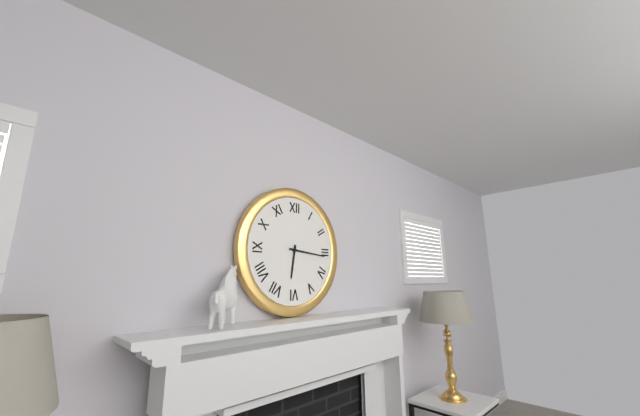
**6:16**
